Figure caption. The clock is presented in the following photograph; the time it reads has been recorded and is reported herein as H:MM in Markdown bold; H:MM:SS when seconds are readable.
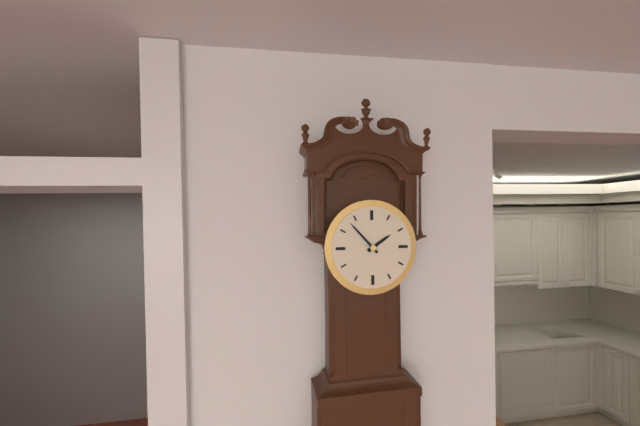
**1:53**
